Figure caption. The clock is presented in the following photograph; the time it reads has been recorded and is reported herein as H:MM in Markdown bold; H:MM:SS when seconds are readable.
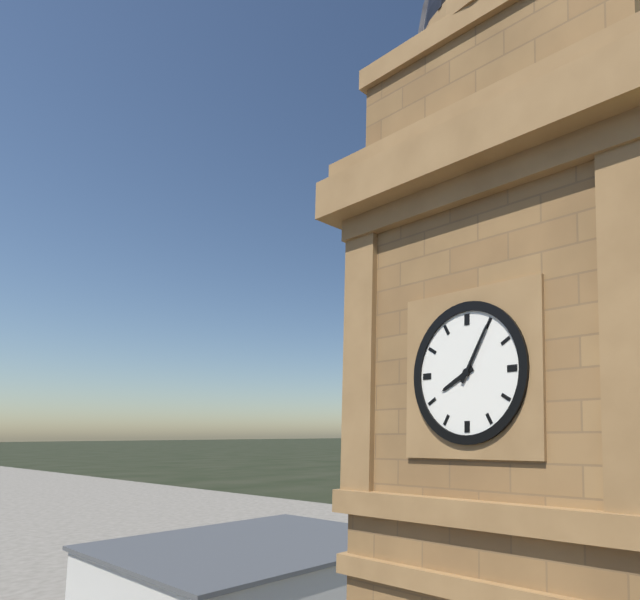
**8:05**
